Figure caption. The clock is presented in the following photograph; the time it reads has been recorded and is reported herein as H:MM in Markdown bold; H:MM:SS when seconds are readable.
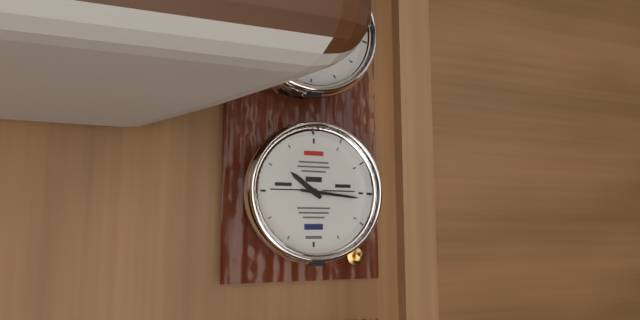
**10:16**
